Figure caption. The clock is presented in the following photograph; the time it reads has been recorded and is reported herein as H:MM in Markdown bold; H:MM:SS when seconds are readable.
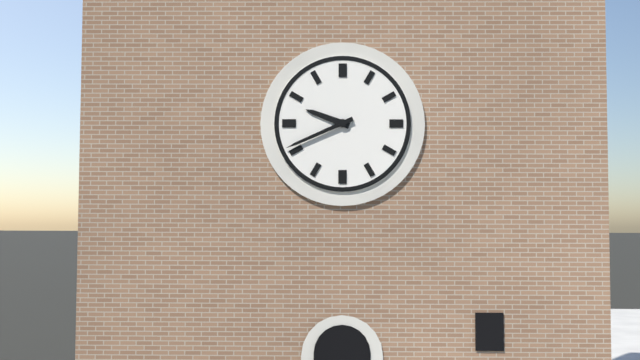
**9:41**
